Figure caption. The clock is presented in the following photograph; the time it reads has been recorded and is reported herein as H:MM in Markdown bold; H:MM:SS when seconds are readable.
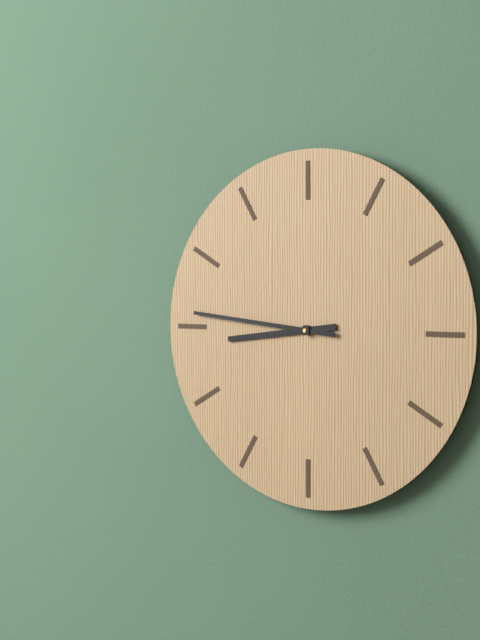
**8:46**
